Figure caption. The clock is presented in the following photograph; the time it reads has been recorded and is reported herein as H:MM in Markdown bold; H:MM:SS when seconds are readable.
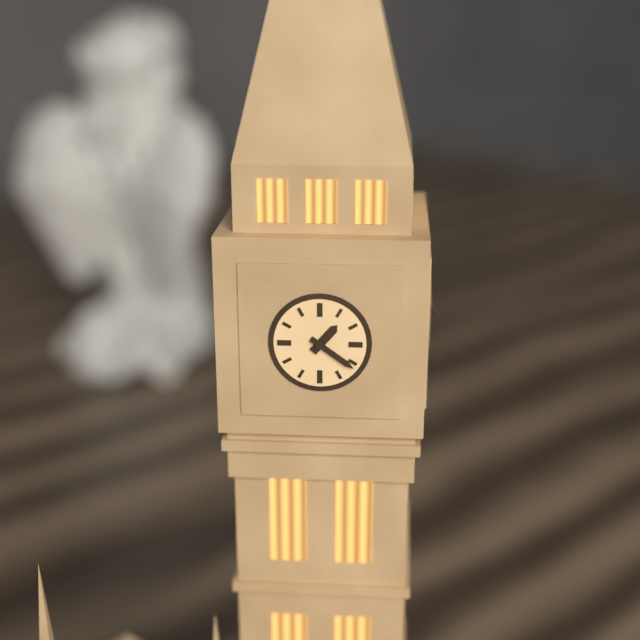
**1:21**
